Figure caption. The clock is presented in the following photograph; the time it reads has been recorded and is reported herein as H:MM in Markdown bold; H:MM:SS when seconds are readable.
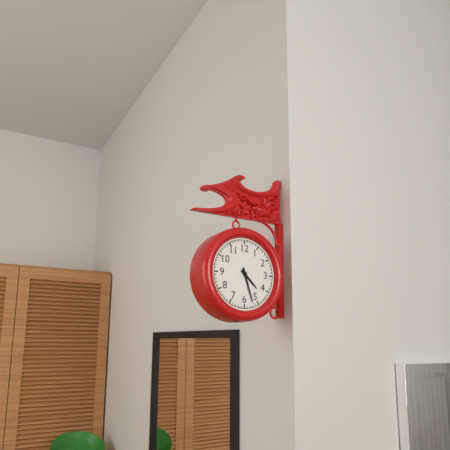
**4:27**
